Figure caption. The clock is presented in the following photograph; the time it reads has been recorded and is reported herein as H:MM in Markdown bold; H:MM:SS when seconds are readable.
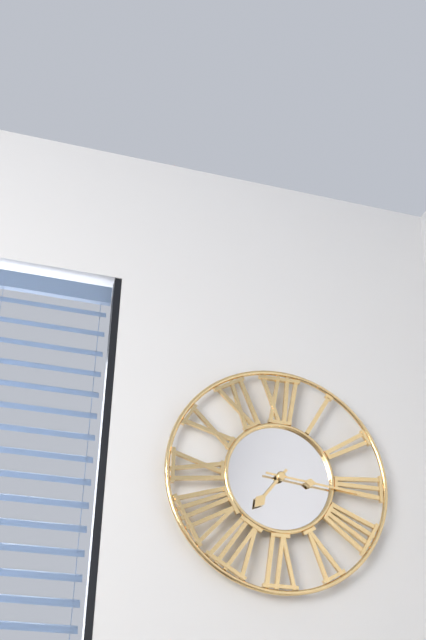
**7:16**
